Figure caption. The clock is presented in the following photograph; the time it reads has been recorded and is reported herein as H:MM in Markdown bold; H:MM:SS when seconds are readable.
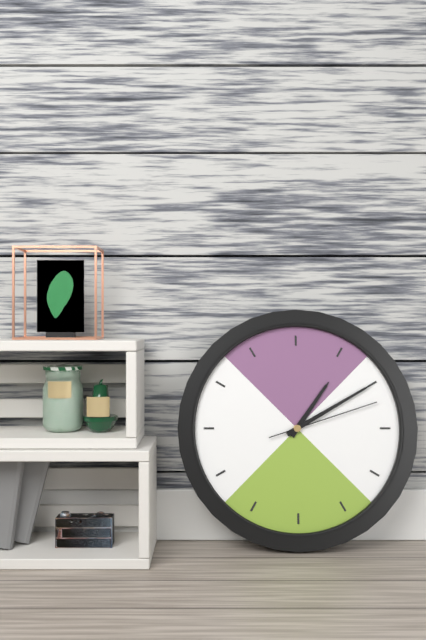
**1:10:12**
